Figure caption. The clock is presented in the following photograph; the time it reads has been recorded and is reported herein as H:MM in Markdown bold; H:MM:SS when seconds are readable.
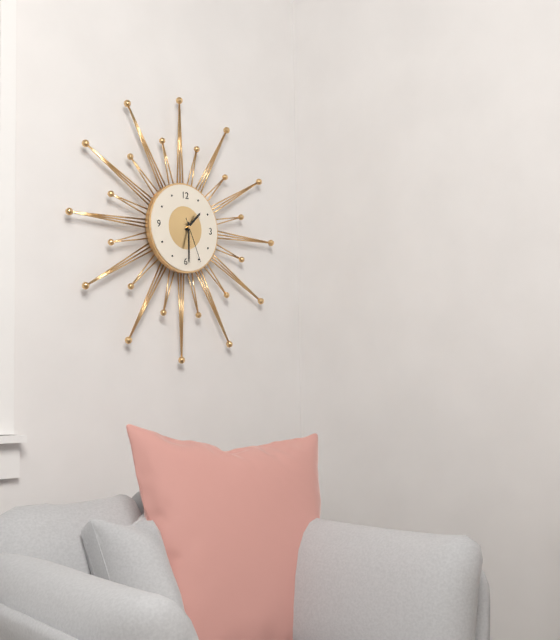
**1:30**
